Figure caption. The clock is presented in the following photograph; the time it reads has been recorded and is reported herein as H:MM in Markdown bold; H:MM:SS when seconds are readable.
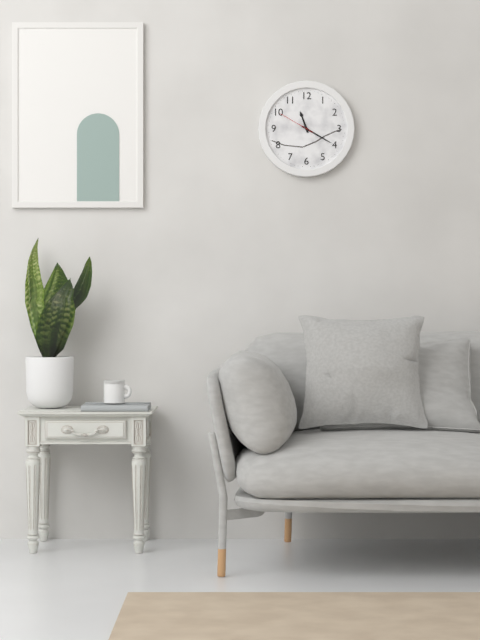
**11:20**
